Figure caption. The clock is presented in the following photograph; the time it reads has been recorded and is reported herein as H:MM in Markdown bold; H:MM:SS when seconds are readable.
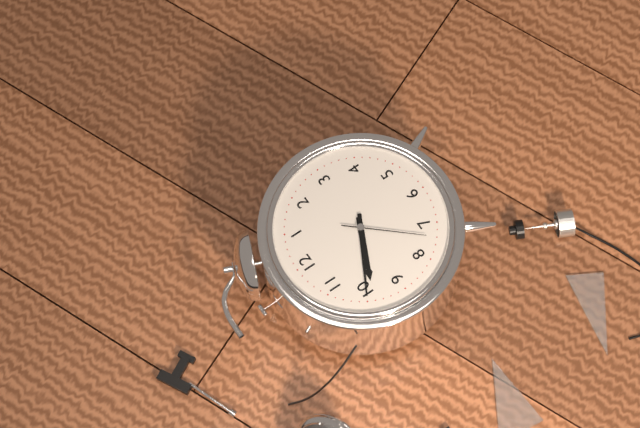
**9:50:37**
